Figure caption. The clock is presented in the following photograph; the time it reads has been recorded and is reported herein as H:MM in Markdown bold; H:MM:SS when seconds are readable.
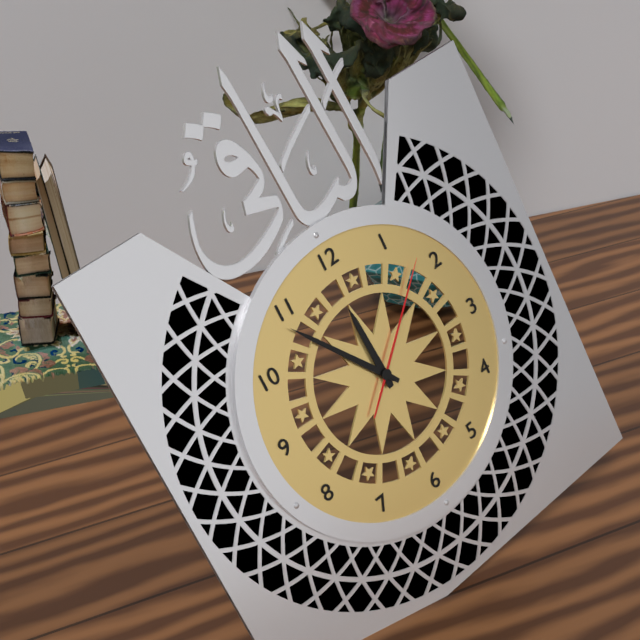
**11:54:08**
